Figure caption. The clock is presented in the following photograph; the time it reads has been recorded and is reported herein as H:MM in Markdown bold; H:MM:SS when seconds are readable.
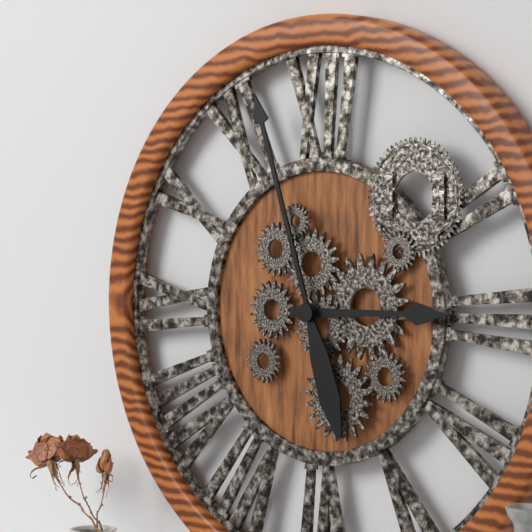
**2:57**
